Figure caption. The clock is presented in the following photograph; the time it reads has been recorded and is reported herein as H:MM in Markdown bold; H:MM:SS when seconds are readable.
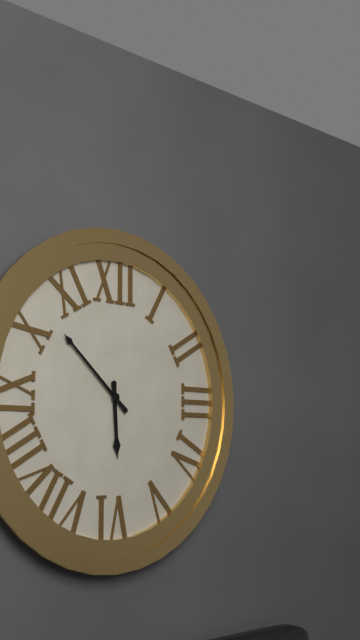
**5:52**
